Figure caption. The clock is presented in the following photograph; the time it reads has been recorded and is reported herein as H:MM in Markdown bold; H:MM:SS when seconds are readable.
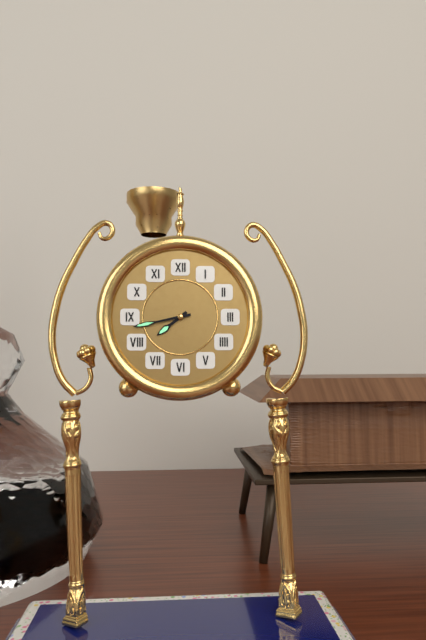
**7:43**
